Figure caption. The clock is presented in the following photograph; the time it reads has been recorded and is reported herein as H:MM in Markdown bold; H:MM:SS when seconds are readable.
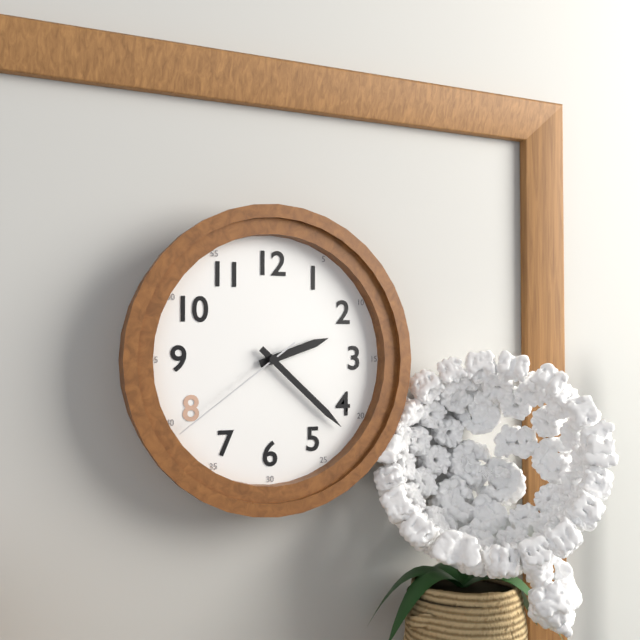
**2:22:39**
